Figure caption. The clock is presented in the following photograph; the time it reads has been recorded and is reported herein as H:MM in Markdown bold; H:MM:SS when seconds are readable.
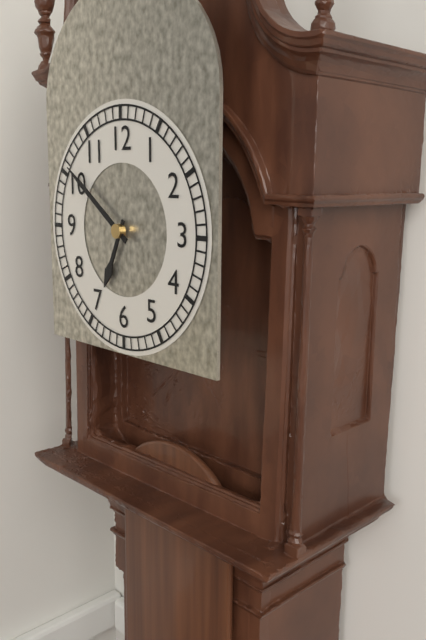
**6:51**
